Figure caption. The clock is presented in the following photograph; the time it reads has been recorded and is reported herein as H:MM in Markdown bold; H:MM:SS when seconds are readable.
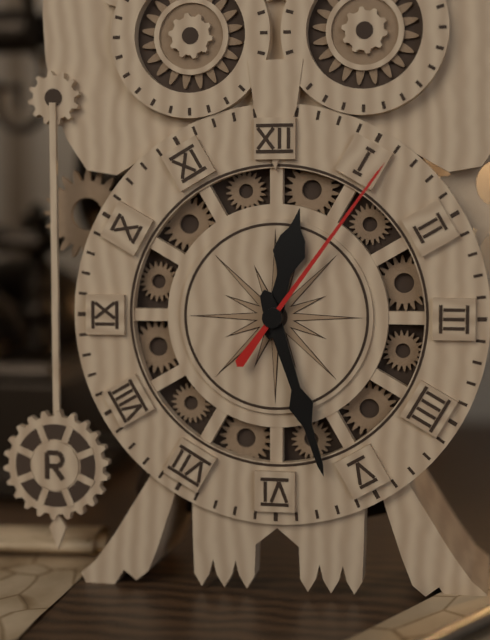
**12:27:06**
